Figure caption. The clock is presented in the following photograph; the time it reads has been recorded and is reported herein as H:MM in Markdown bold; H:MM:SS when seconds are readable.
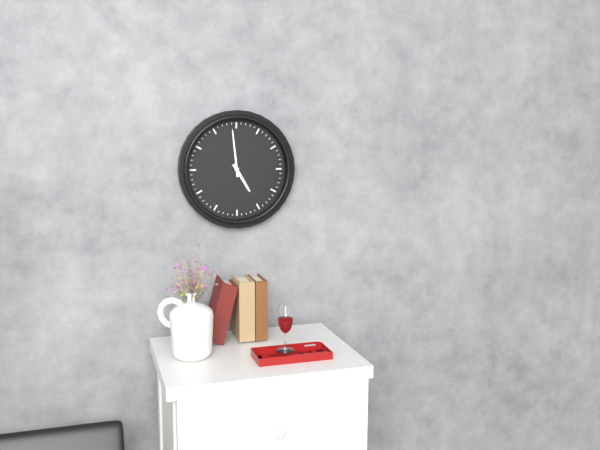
**4:59**
